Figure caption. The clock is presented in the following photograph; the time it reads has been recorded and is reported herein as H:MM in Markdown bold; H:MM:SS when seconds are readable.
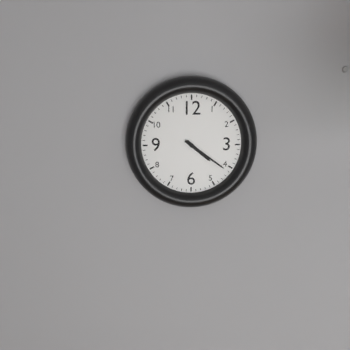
**4:21**
